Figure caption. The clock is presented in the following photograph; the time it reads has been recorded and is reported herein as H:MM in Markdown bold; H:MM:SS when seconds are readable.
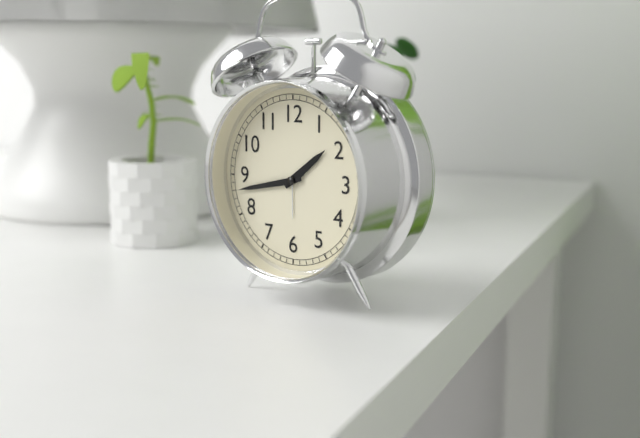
**1:43**
